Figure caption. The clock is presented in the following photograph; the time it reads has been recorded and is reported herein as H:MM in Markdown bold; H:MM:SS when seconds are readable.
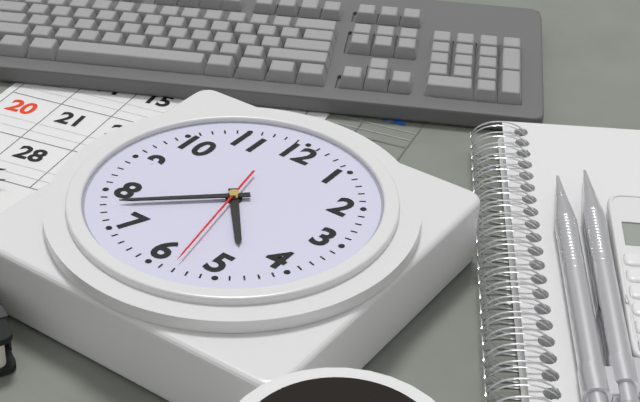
**4:38:28**
